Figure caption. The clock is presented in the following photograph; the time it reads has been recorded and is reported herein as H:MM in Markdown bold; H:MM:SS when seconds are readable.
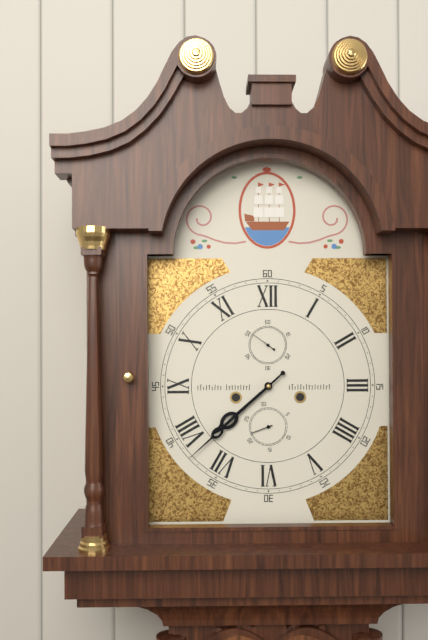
**7:38**
